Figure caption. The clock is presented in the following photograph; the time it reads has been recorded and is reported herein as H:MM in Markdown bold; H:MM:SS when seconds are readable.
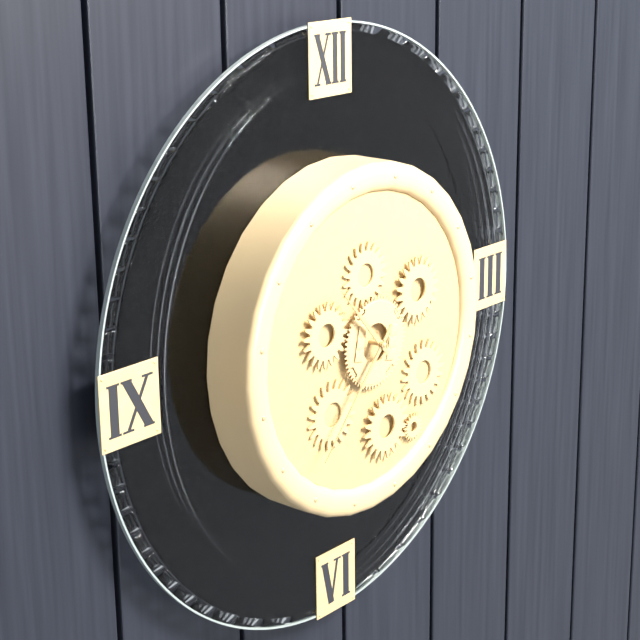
**10:37**
